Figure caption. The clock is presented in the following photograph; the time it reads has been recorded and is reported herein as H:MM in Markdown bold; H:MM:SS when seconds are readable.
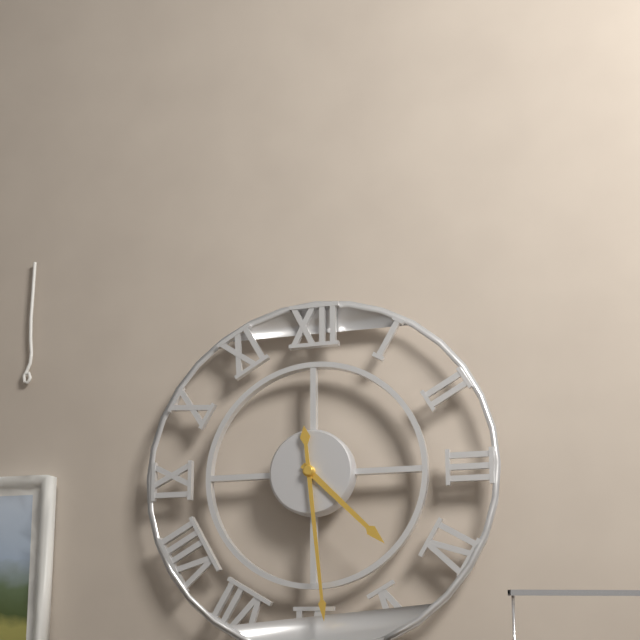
**4:29**
